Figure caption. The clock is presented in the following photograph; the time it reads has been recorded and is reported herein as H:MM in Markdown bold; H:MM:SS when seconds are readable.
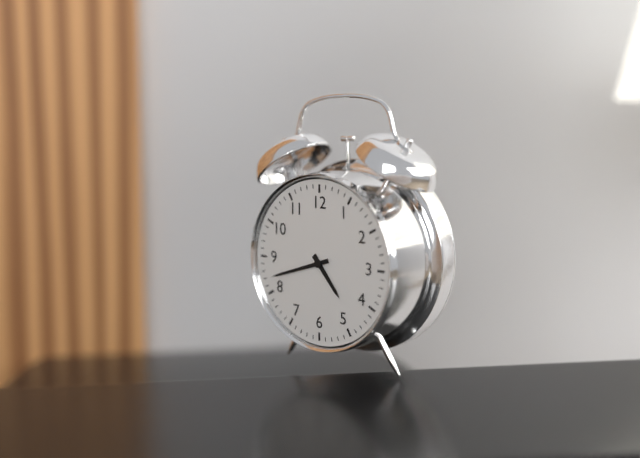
**4:42**
